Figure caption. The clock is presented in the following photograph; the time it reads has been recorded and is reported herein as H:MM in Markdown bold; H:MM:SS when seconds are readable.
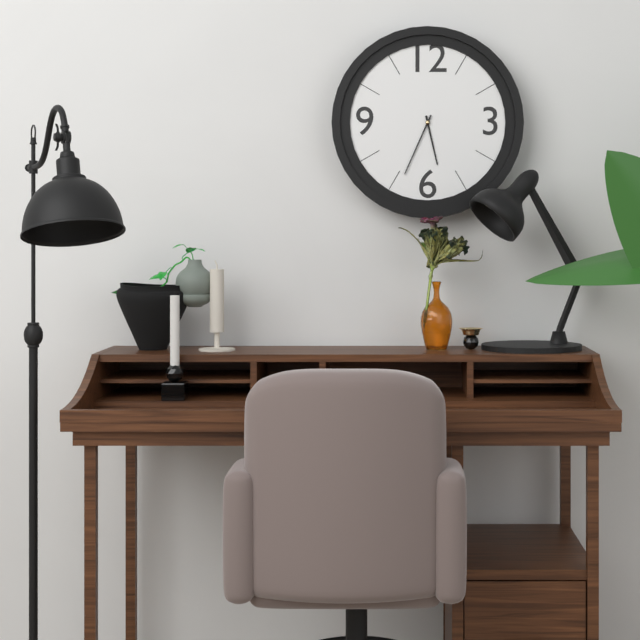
**5:34**
